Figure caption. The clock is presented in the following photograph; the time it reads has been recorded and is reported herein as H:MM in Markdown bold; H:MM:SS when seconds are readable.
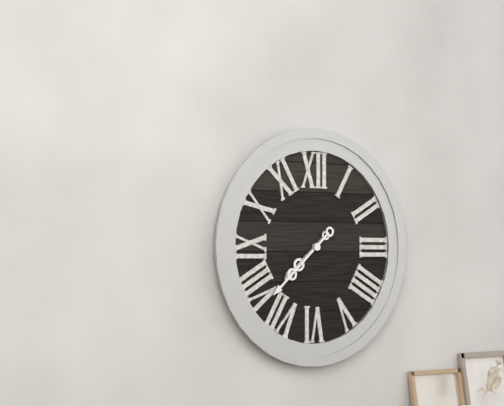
**7:38**
